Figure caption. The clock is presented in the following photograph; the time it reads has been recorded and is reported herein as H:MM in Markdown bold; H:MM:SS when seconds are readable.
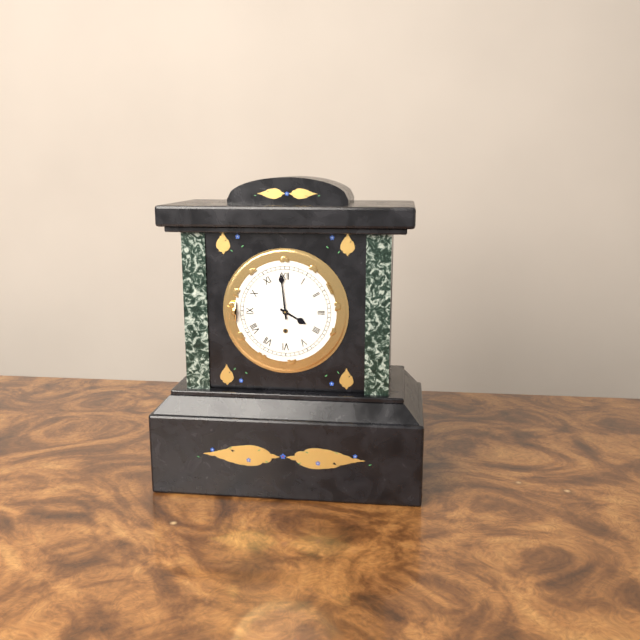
**3:59**
